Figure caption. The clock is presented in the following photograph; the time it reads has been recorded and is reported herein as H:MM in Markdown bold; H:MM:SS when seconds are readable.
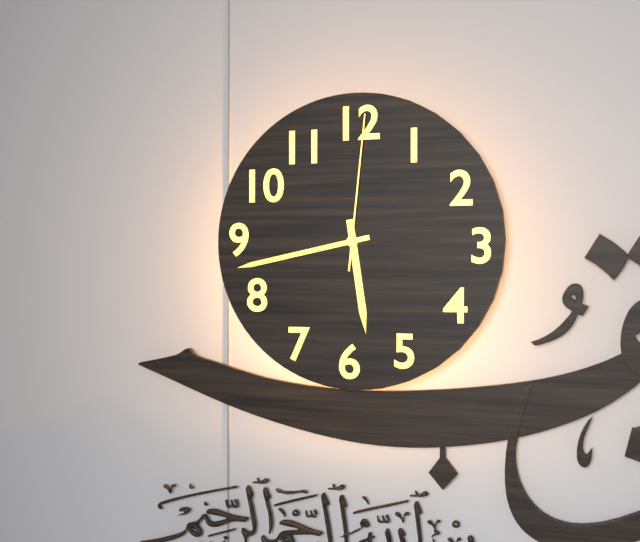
**5:43:01**
